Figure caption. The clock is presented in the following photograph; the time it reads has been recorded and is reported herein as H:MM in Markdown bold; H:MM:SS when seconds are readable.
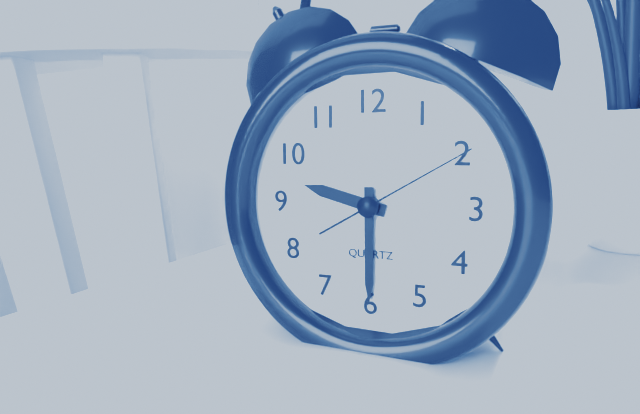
**9:30:10**
